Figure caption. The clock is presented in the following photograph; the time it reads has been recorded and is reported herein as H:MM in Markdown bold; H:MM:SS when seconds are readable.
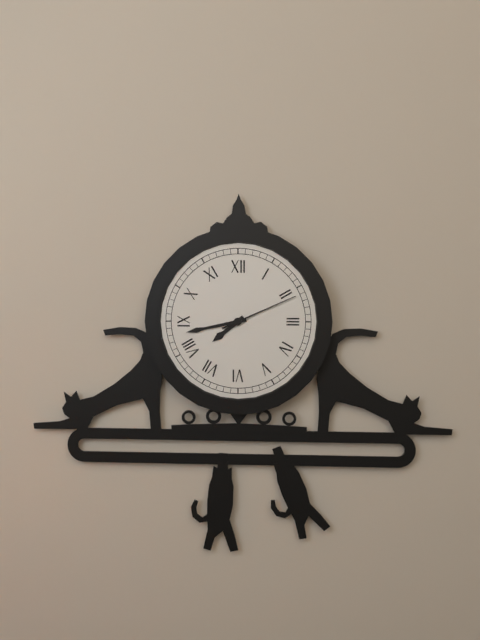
**7:43:11**
